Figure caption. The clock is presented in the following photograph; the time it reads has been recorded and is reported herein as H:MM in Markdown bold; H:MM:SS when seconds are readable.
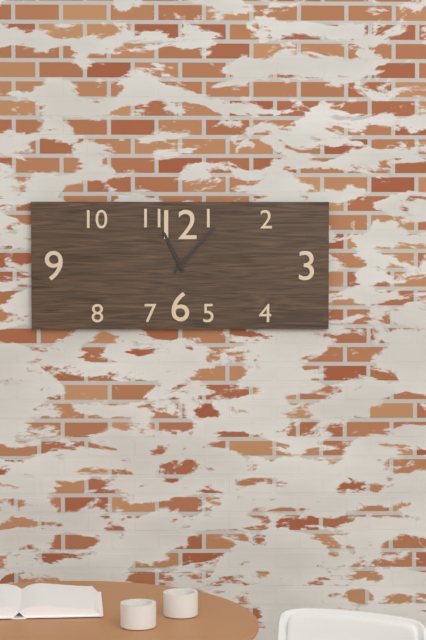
**11:07**
